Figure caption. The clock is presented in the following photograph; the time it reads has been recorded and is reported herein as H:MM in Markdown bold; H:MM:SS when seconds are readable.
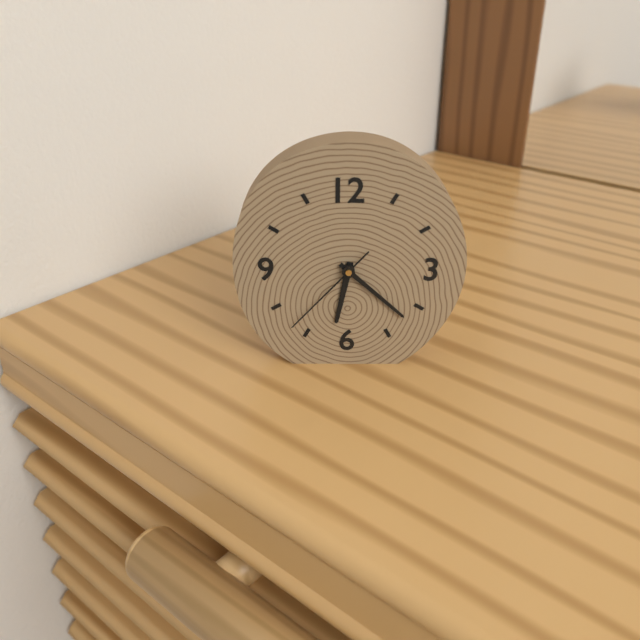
**6:22:37**
